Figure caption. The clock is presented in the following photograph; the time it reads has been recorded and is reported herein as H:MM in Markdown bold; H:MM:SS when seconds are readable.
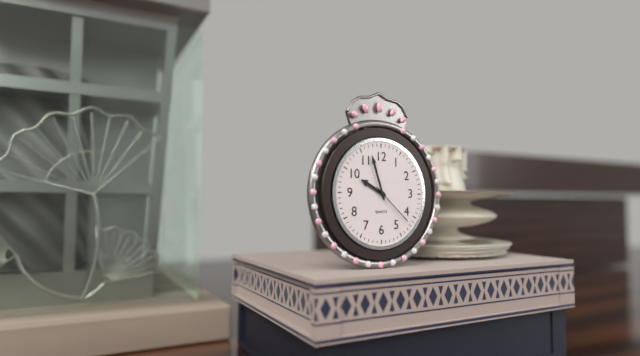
**9:57:22**
